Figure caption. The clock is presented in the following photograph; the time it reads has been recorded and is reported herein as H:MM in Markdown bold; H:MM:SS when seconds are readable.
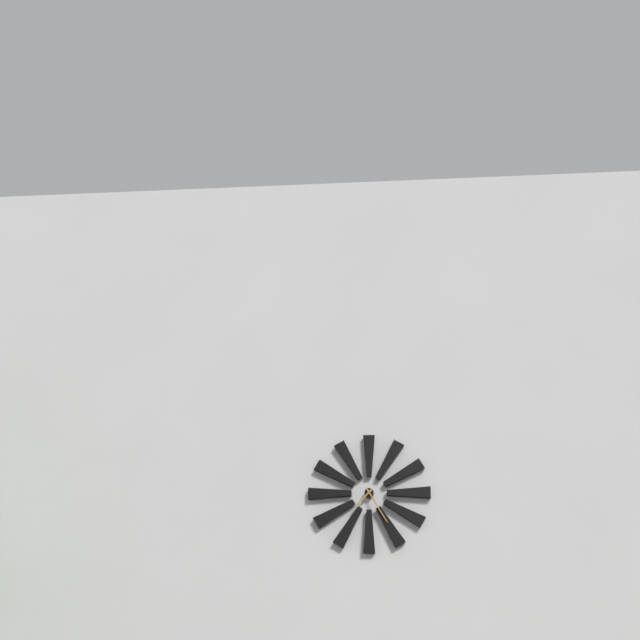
**7:25**
